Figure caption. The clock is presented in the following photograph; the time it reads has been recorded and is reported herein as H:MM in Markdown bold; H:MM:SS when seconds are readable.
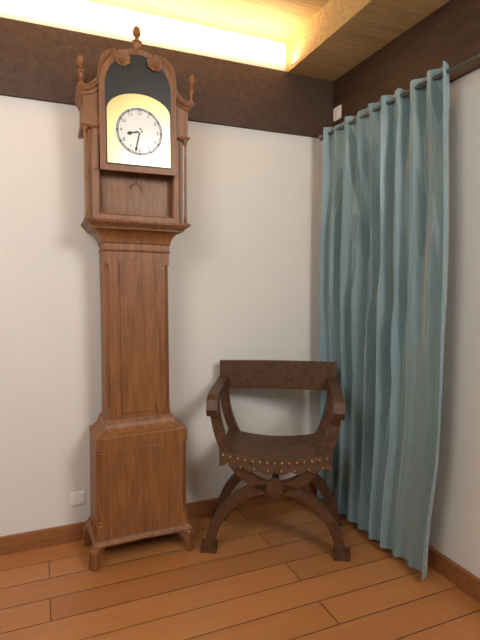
**8:32**
